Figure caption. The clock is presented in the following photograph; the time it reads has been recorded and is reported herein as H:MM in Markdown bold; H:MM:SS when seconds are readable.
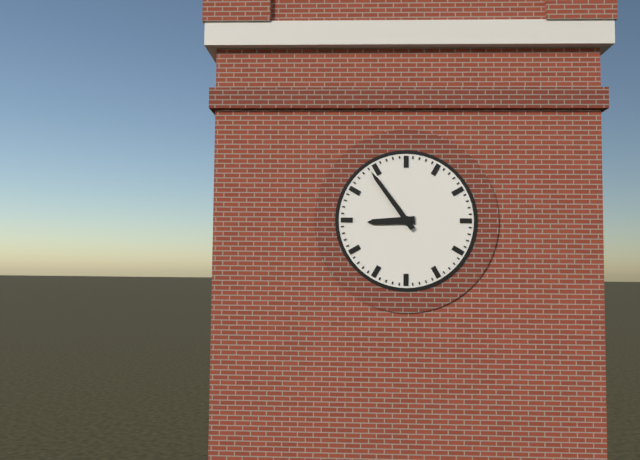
**8:54**
